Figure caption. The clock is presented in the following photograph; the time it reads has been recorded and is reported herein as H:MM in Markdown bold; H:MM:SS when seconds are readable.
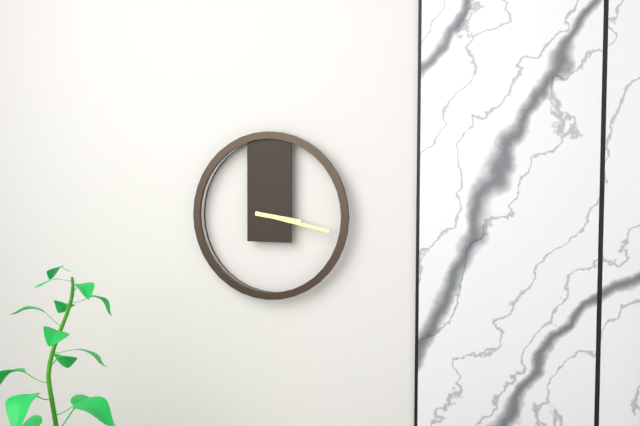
**3:17**
